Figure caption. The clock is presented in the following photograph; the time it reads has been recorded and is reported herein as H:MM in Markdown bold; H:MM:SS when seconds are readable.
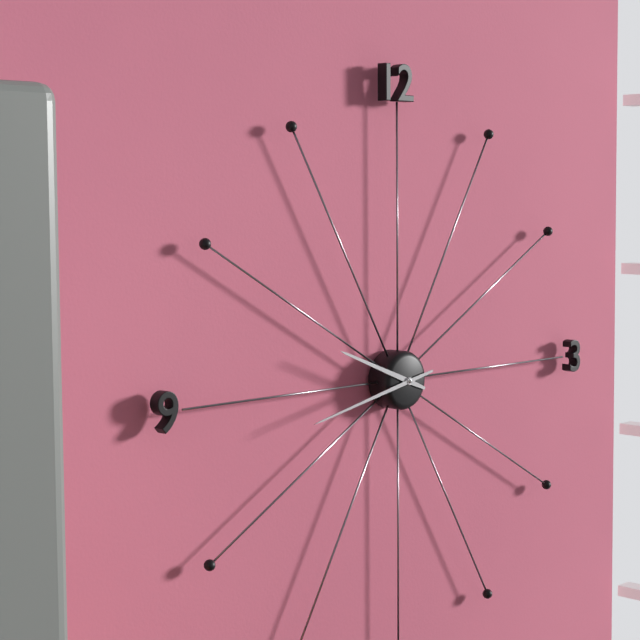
**9:43**
